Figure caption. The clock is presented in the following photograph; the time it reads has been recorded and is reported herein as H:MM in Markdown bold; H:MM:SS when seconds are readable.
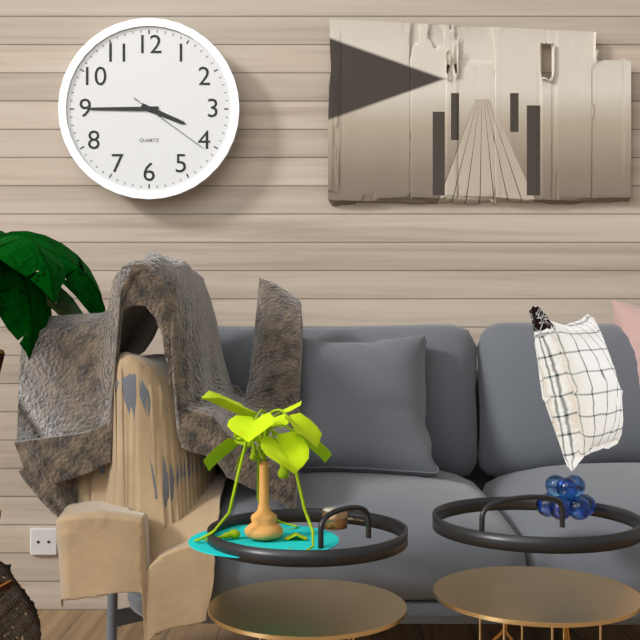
**3:45:21**
